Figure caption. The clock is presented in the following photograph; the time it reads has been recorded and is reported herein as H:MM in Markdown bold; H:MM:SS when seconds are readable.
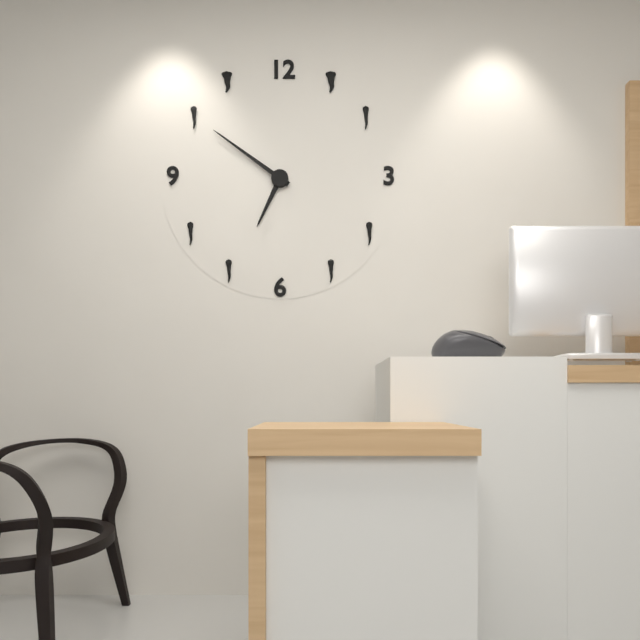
**6:51**
